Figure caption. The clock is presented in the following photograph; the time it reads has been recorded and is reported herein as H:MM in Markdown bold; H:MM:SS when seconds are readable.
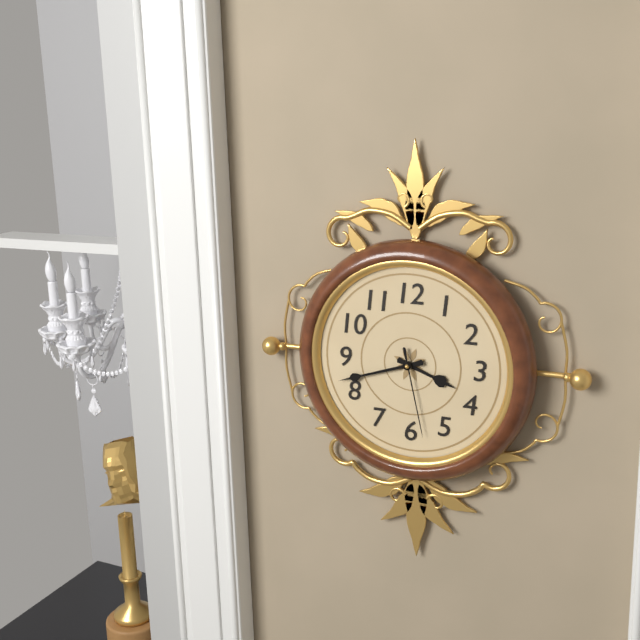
**3:42:28**
